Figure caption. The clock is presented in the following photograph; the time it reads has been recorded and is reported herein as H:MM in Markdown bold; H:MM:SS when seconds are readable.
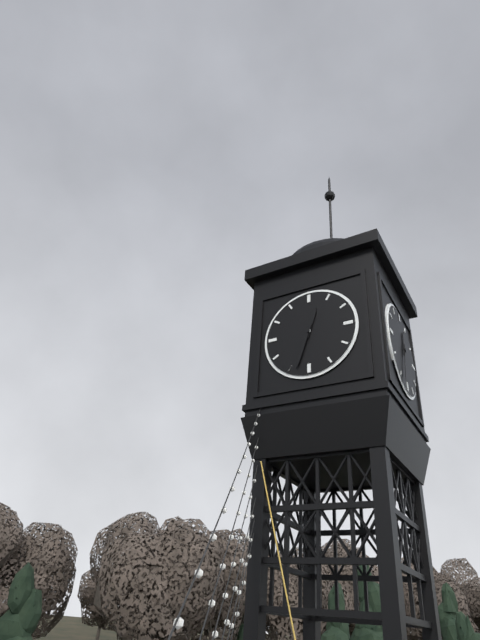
**12:33**
